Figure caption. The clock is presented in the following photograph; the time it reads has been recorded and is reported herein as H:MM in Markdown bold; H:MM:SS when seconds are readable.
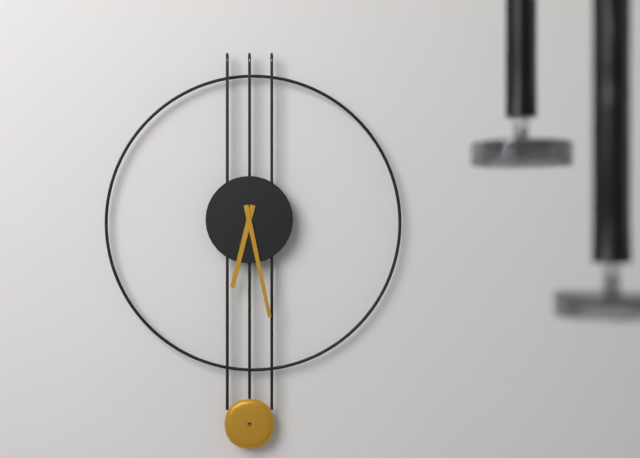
**6:28**
